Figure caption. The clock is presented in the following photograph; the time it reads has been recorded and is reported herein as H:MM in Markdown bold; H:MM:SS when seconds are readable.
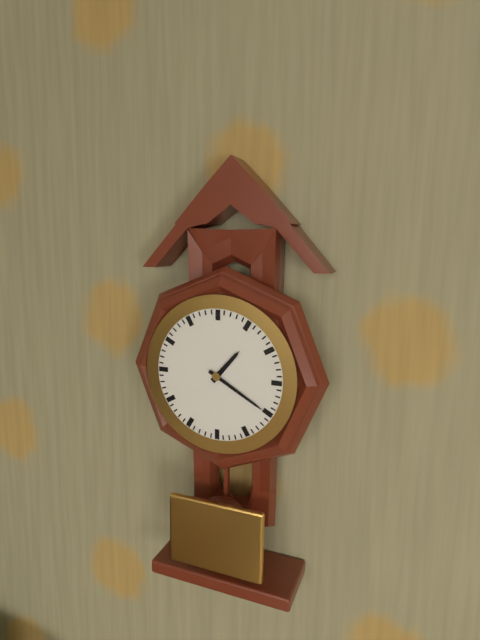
**1:20**
